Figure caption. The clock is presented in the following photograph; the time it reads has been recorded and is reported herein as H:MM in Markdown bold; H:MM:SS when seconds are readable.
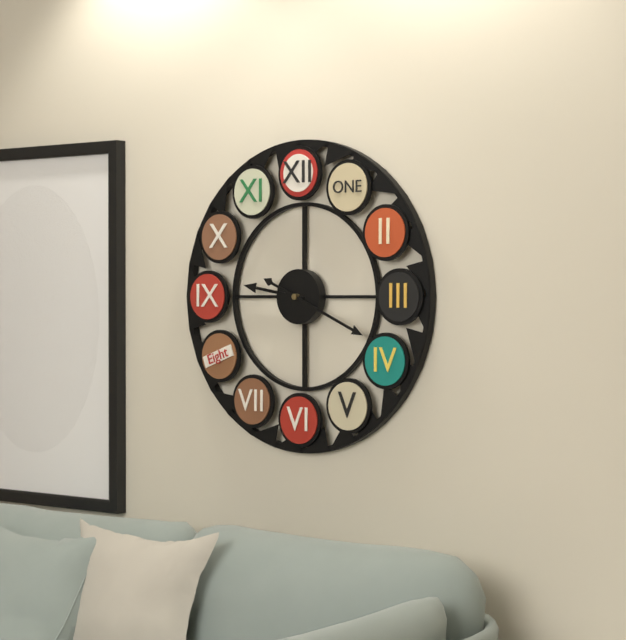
**9:19**
